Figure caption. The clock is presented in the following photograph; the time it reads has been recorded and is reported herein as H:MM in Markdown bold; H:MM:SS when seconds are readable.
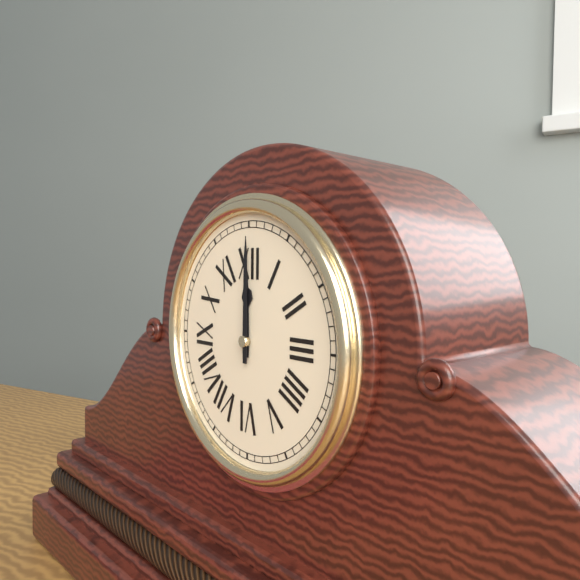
**12:00**
